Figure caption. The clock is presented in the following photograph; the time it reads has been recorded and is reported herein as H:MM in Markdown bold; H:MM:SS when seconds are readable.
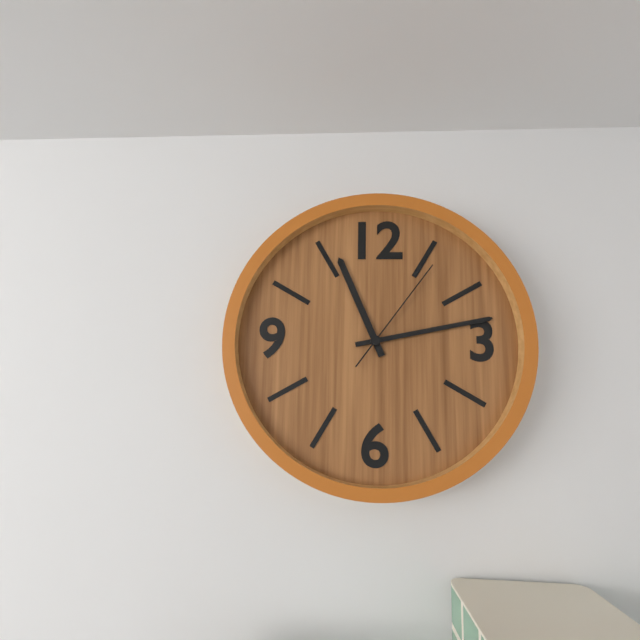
**11:13:06**
